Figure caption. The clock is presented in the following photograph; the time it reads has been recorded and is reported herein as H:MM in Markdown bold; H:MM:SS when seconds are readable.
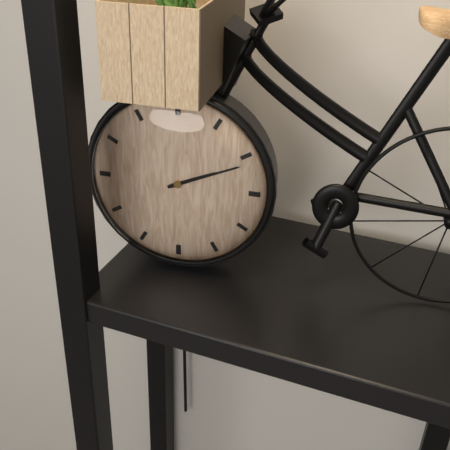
**2:11**
